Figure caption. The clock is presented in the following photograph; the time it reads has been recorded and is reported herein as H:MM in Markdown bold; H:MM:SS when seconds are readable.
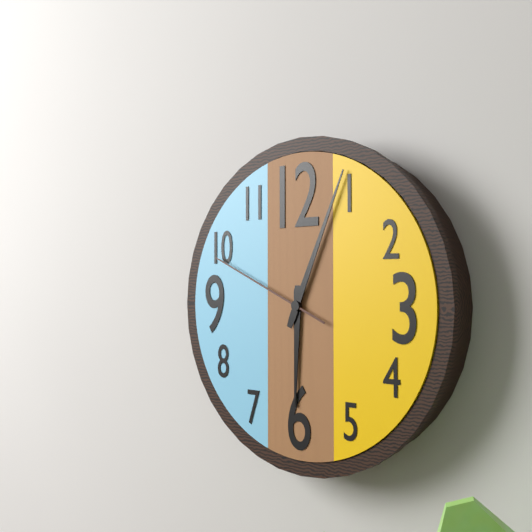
**6:04:49**
